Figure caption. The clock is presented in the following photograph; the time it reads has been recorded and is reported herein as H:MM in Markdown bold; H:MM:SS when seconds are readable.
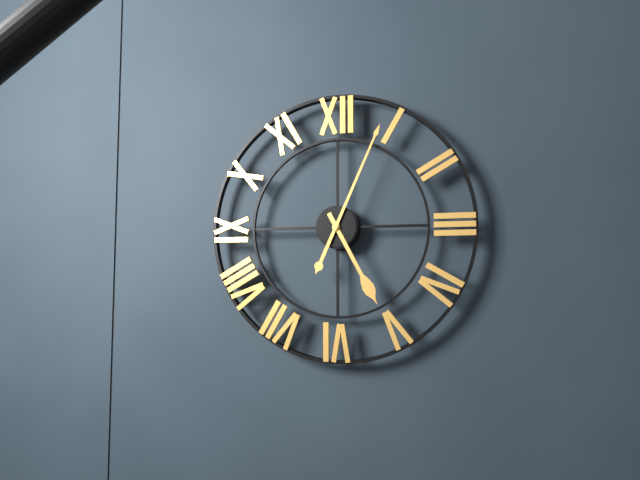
**5:04**
